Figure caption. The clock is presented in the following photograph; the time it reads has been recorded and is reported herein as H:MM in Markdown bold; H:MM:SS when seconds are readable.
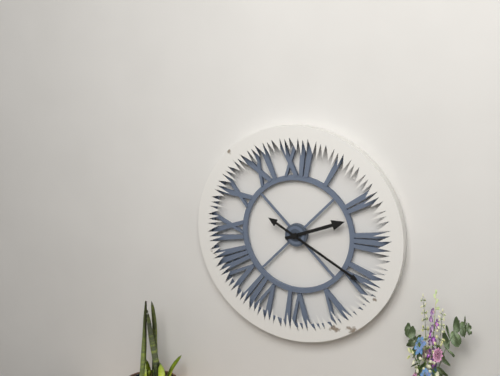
**2:20**
